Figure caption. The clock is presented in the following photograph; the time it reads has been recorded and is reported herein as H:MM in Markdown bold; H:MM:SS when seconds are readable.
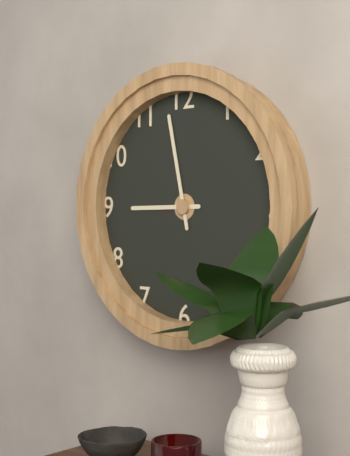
**8:58**
